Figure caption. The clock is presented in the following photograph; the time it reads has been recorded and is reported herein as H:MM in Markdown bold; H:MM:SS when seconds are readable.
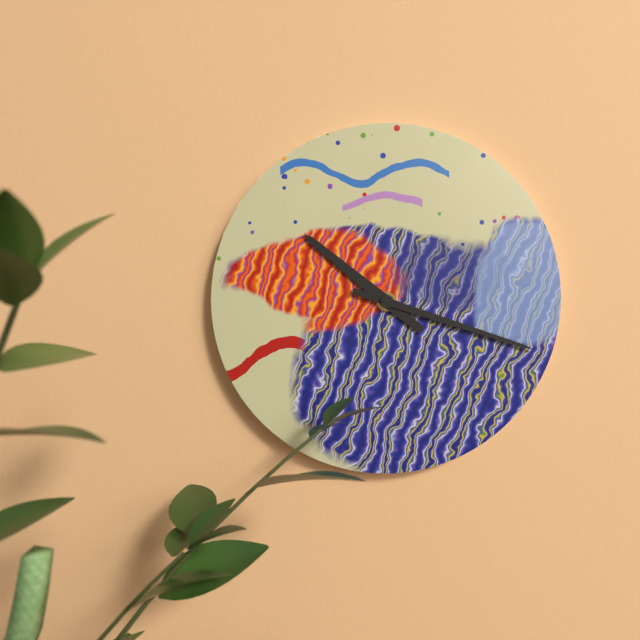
**10:18**
